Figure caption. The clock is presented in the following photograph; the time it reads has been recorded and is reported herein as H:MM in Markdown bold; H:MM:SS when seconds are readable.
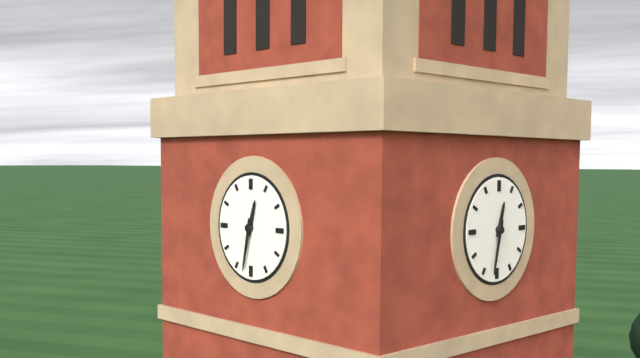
**12:32**
